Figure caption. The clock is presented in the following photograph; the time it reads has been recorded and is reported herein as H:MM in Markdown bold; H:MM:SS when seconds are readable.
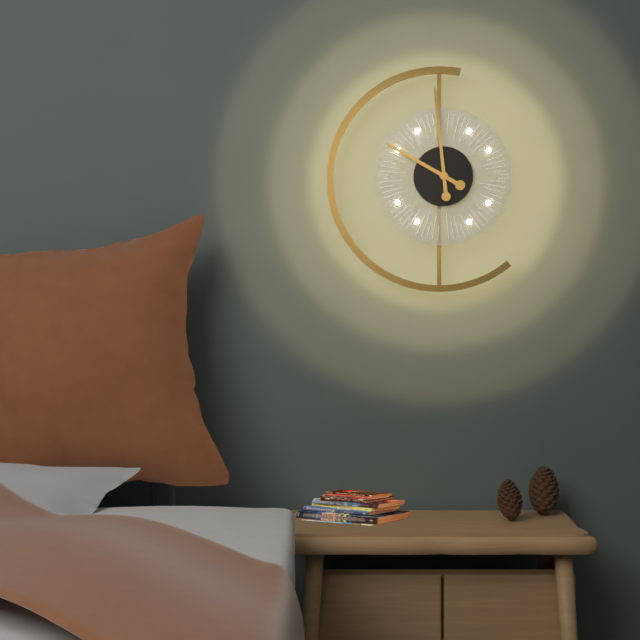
**9:59**
